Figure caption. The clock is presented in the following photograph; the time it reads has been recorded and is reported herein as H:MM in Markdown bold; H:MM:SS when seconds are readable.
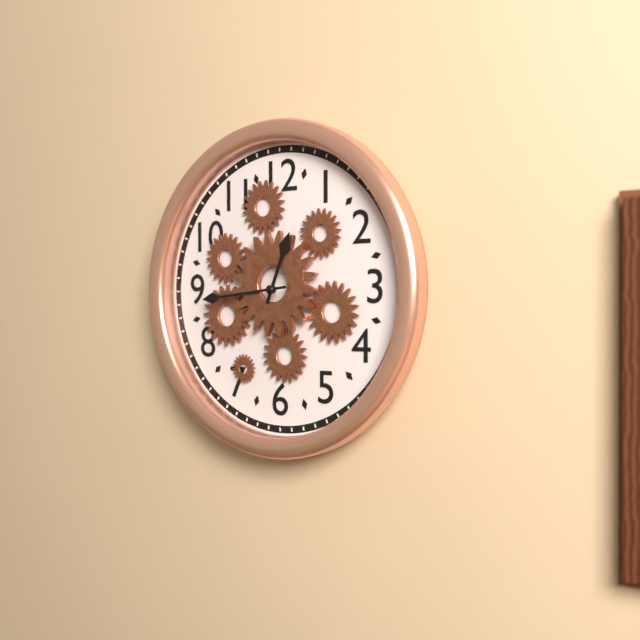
**12:44**
